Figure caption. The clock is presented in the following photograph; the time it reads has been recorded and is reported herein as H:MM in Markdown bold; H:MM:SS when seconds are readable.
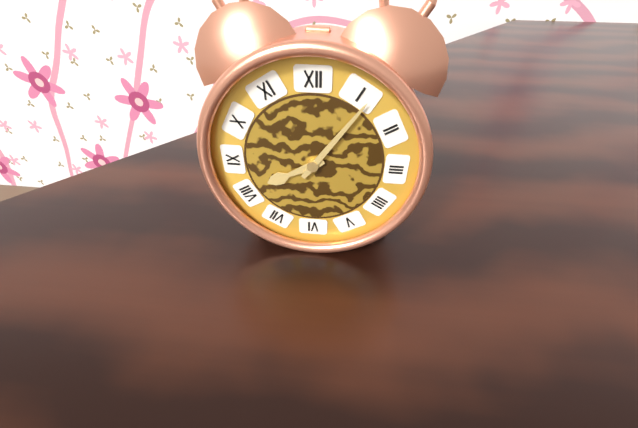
**8:06**
